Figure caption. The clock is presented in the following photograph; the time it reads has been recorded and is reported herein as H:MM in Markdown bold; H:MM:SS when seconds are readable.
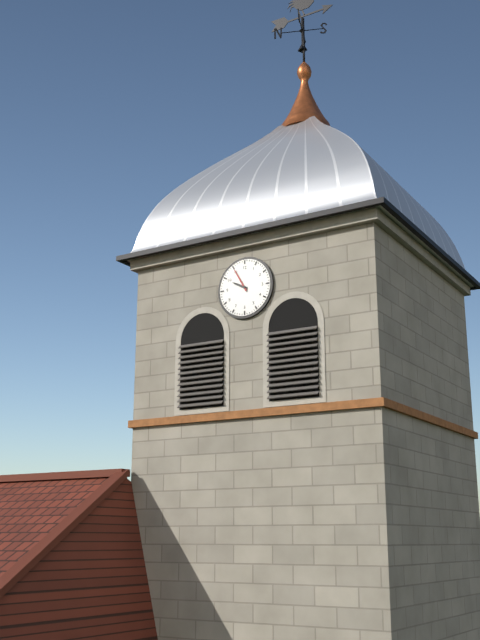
**9:55**
